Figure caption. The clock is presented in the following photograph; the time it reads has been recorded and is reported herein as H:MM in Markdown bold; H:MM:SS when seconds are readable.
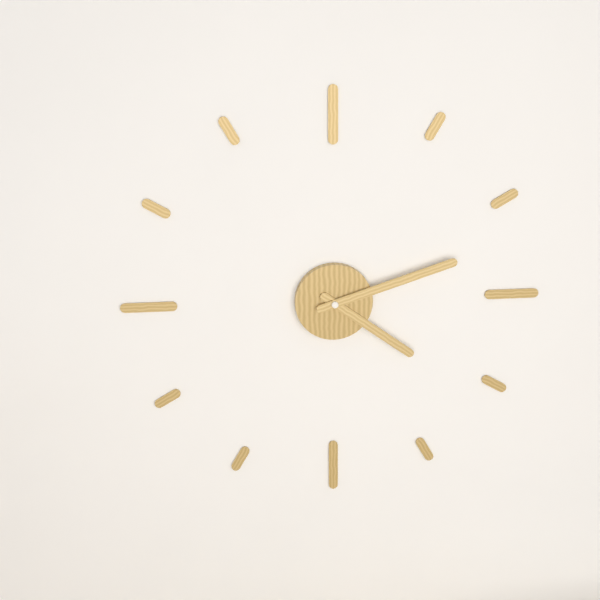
**4:12**
